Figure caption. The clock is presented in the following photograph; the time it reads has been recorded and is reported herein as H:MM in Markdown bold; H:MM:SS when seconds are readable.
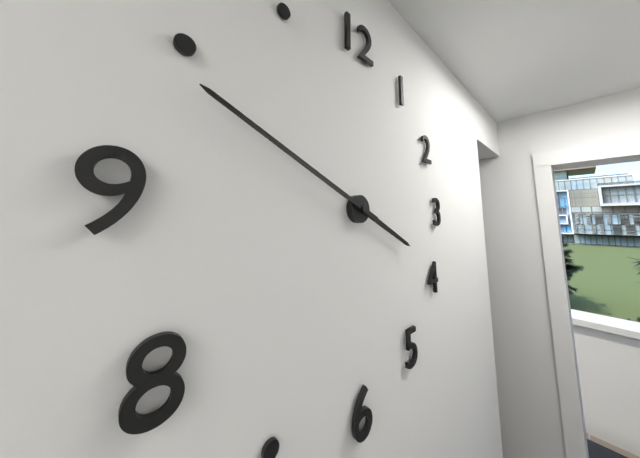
**3:49**
